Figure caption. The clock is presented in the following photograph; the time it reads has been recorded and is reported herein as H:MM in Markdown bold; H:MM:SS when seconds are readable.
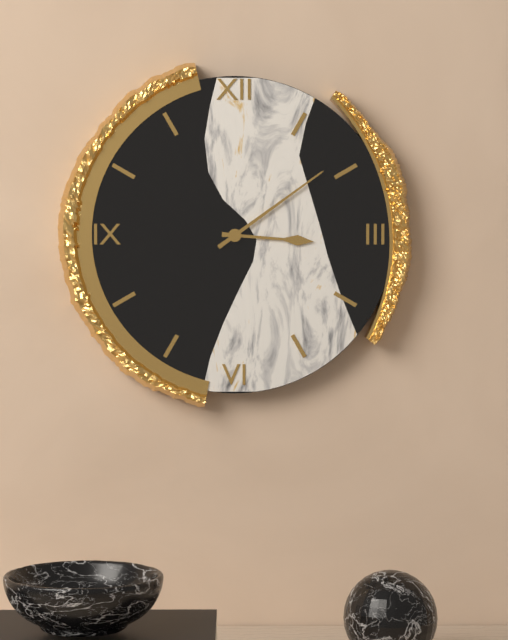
**3:09**
